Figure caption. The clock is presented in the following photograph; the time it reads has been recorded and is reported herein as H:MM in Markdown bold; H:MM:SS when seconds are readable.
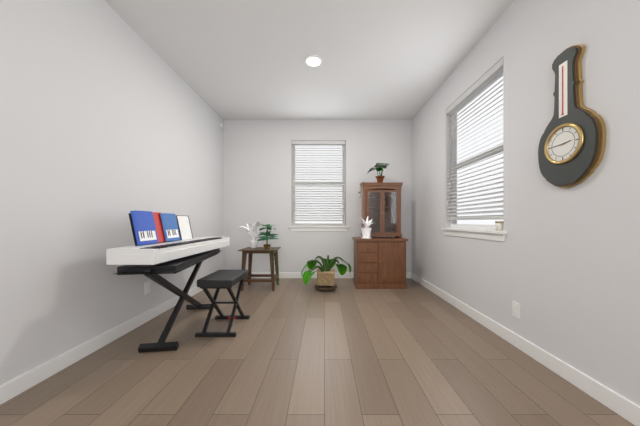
**2:45**
